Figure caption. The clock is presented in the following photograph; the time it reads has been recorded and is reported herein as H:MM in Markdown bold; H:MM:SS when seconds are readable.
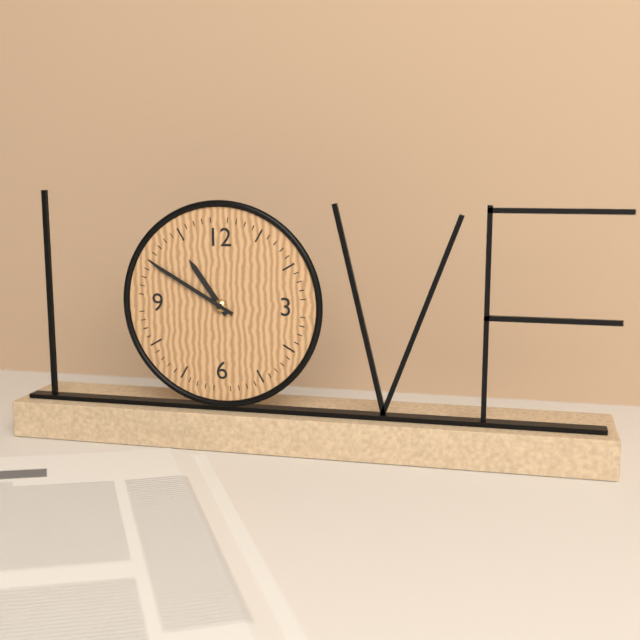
**10:50**
